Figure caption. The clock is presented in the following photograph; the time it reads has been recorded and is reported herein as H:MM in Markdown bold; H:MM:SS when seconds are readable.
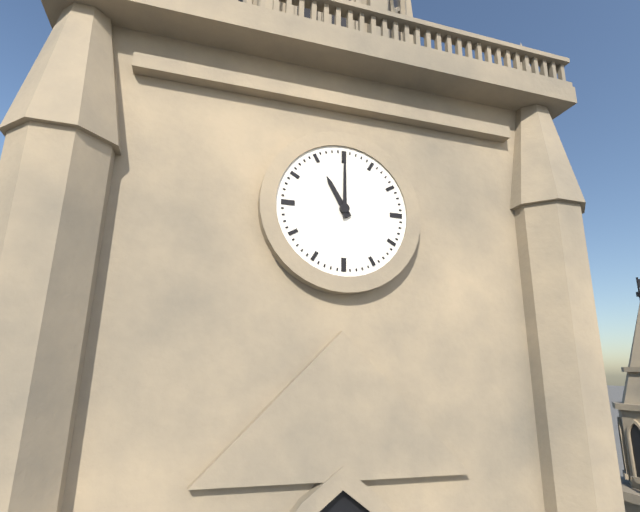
**11:00**
